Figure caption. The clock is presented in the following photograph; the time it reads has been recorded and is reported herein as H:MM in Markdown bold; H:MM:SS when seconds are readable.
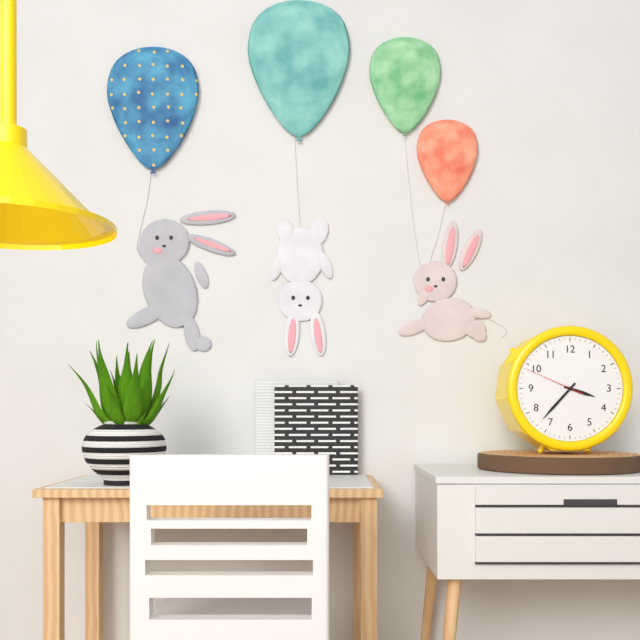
**3:37:49**
